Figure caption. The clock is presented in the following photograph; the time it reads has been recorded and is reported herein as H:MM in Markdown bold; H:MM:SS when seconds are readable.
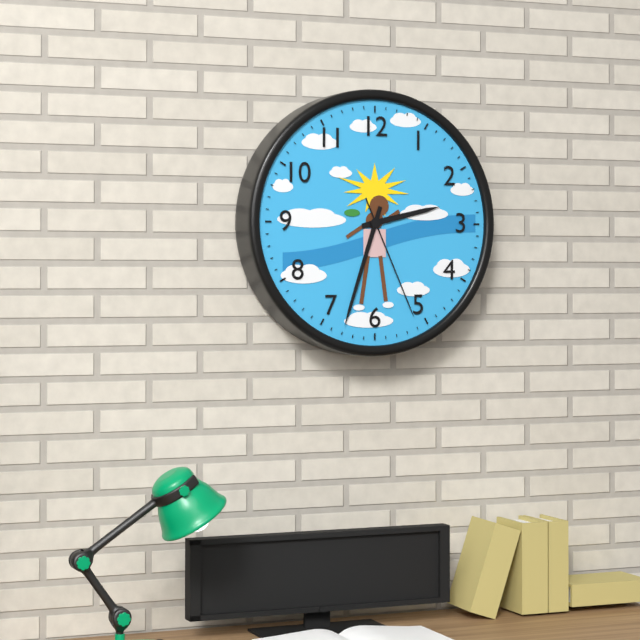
**2:33:26**
